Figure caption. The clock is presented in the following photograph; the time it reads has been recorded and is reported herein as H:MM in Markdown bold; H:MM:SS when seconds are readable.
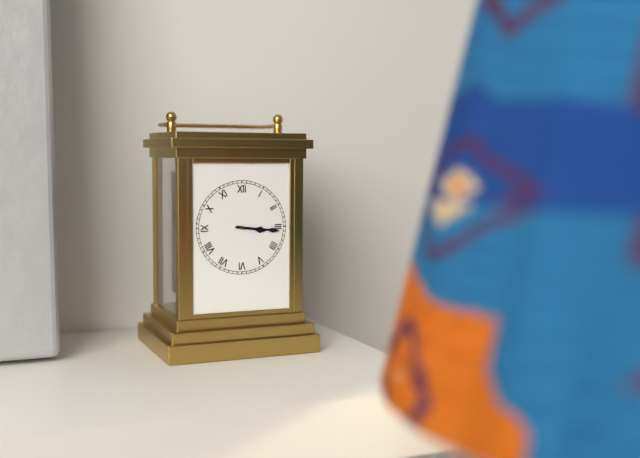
**3:16**
